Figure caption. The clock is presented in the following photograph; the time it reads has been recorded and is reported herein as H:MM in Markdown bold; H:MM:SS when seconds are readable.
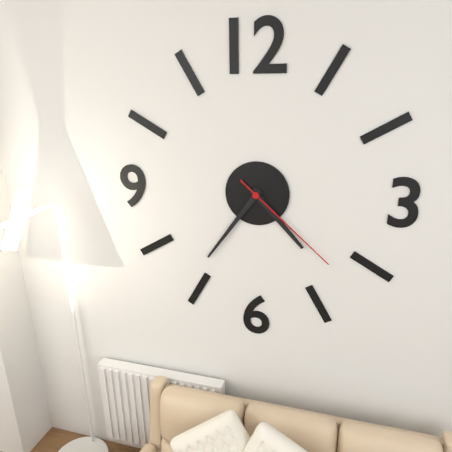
**4:36:22**
